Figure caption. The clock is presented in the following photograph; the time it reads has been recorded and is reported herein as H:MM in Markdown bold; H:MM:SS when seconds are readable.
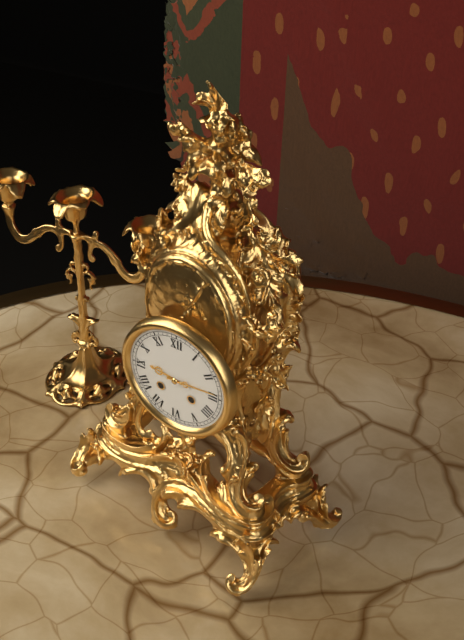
**9:14**
